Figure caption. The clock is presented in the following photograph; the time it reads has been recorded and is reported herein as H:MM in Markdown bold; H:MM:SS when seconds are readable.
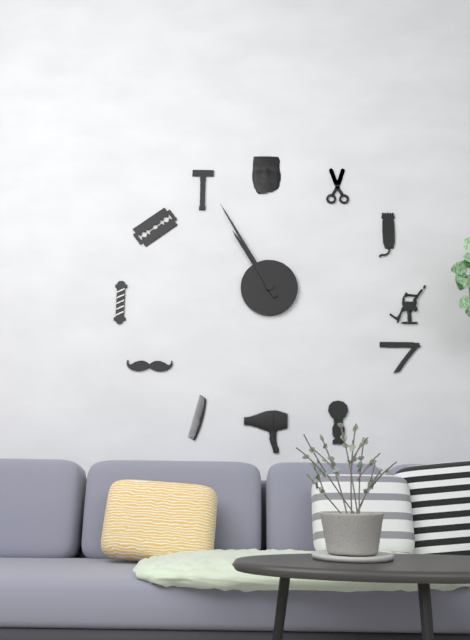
**10:55**
